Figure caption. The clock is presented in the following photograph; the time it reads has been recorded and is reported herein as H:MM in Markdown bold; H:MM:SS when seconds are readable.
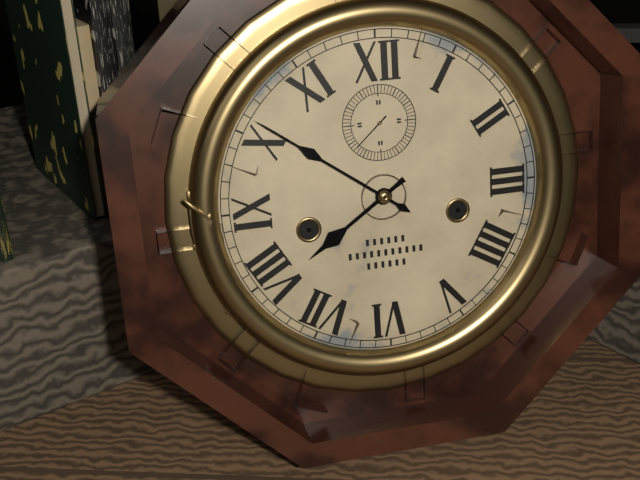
**7:51**
